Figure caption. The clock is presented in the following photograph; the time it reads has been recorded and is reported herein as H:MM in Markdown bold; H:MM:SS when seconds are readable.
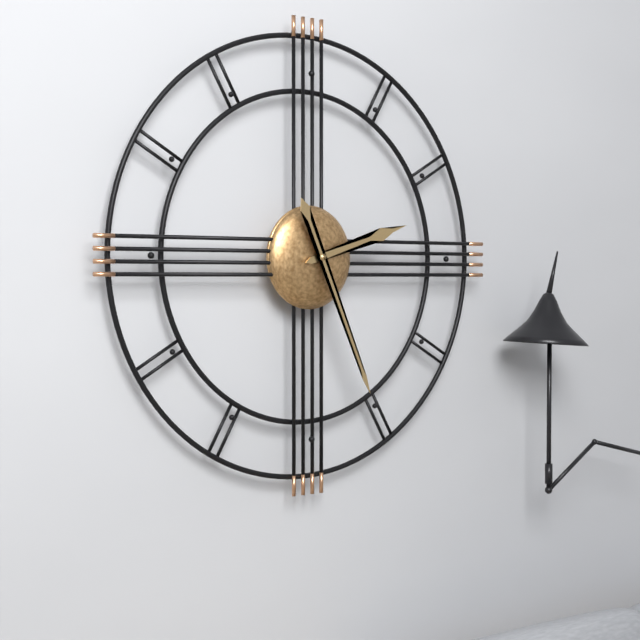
**2:26**
